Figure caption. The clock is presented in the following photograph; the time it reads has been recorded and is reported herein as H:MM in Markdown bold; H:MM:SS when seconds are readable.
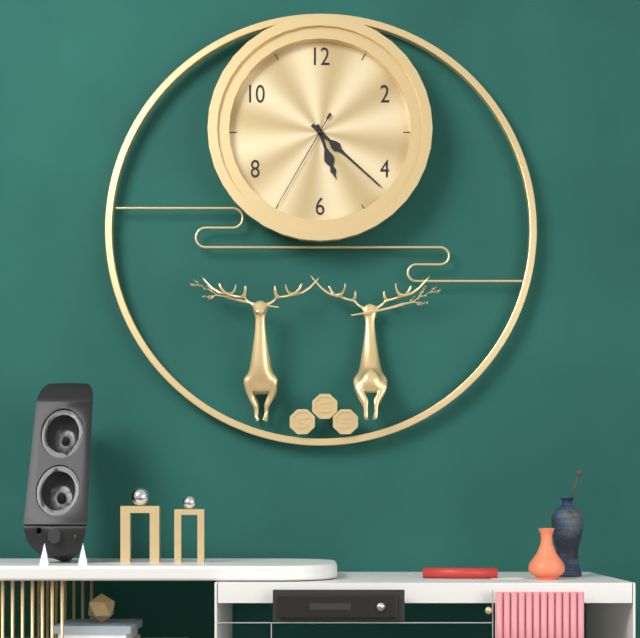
**5:22:35**
